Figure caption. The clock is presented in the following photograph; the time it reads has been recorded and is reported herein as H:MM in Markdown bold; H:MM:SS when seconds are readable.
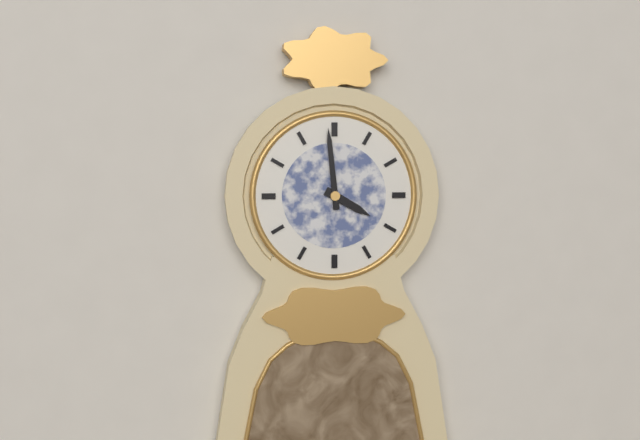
**3:59**
